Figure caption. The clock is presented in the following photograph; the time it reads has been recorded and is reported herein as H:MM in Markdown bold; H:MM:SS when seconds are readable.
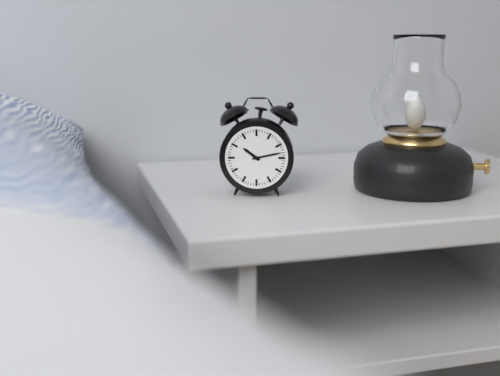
**10:13**
